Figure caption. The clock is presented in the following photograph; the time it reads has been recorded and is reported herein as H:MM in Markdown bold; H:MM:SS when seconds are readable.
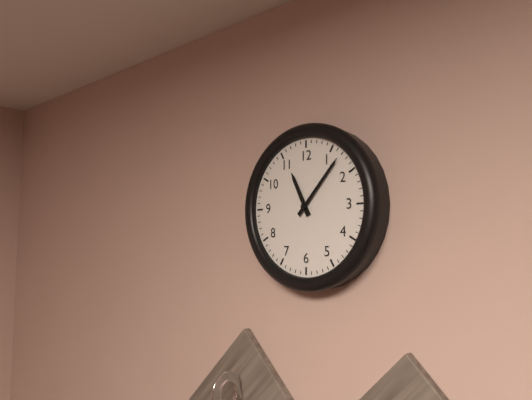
**11:07**
